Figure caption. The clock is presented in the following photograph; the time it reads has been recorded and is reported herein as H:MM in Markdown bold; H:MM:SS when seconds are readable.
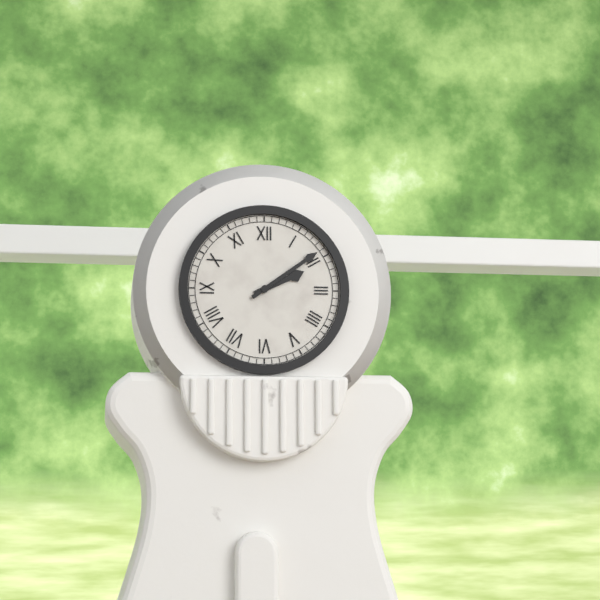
**2:09**
